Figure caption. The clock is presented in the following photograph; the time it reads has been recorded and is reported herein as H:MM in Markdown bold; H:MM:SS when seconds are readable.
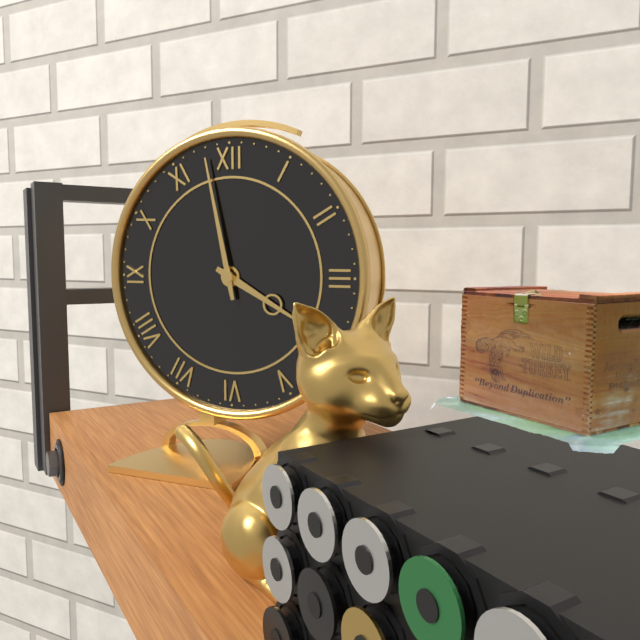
**3:58**
